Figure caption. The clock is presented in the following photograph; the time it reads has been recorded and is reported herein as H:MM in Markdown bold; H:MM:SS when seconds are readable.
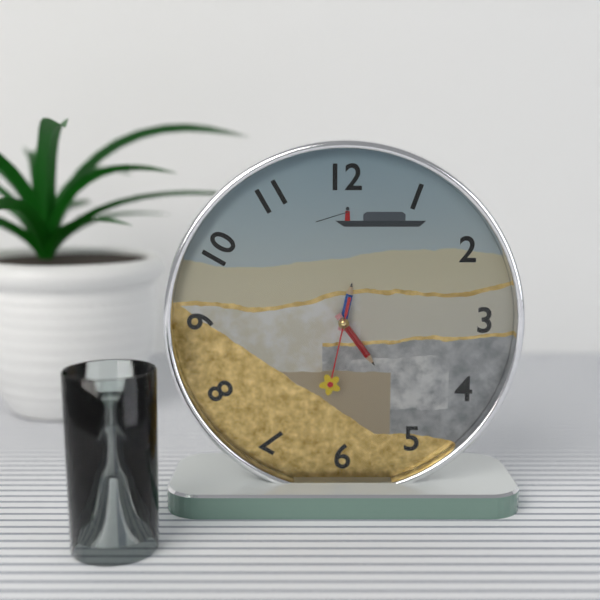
**12:24:32**
